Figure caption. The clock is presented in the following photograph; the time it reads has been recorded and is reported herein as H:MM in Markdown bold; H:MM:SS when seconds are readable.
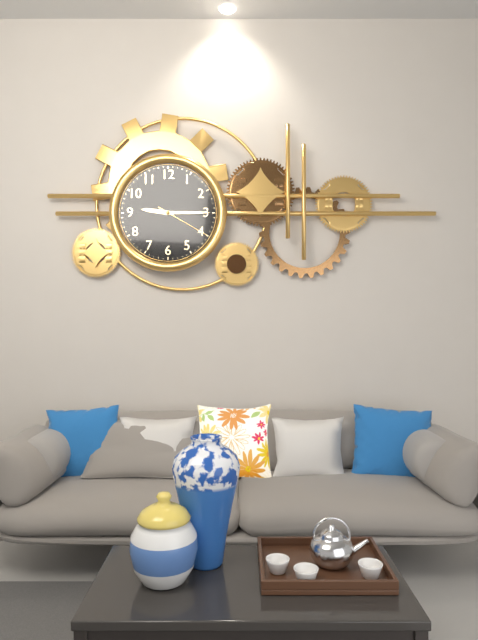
**9:15:20**
